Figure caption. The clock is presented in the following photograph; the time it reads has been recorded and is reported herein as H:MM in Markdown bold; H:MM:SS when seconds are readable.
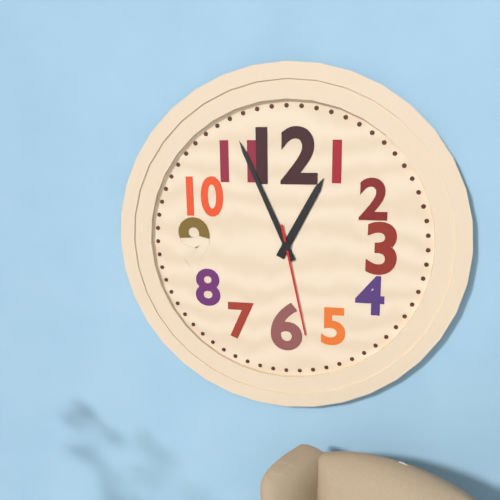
**12:56:28**
